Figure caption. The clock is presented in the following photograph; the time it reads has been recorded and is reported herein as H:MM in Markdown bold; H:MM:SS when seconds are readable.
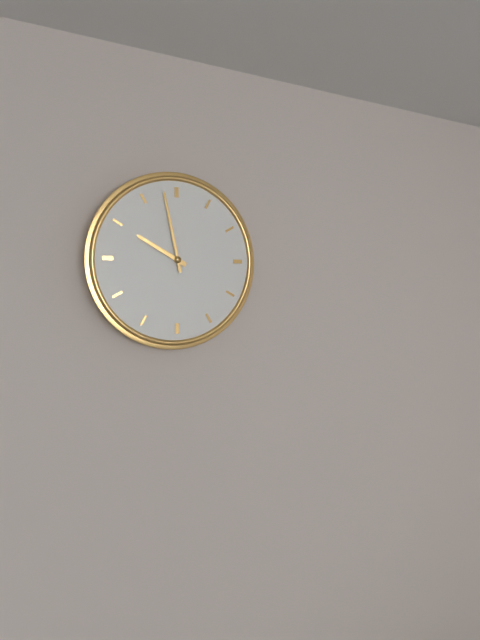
**9:58**
